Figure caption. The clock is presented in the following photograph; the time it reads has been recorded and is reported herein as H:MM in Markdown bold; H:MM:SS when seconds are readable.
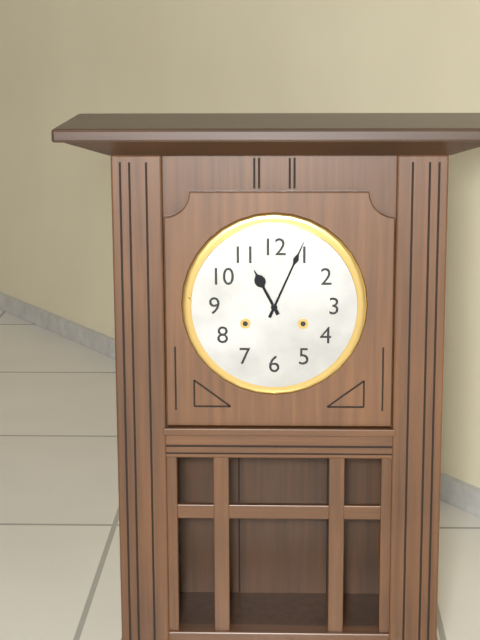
**11:04**
